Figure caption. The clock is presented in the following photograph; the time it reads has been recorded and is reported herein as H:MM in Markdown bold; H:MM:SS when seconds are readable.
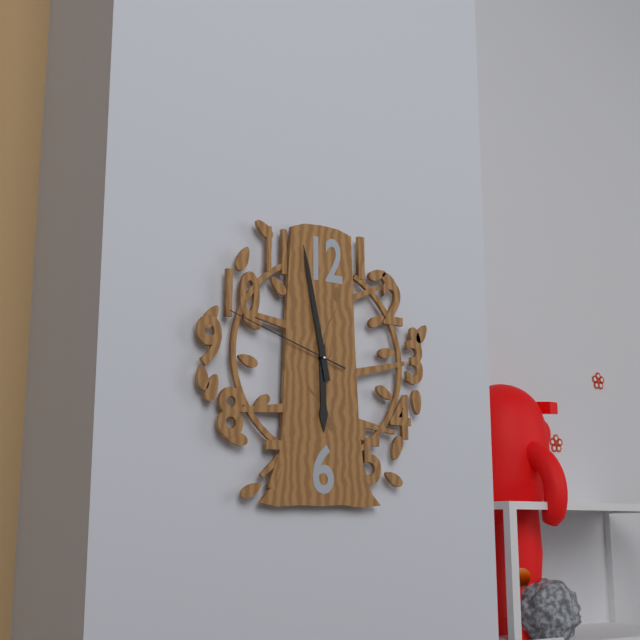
**5:58:48**
